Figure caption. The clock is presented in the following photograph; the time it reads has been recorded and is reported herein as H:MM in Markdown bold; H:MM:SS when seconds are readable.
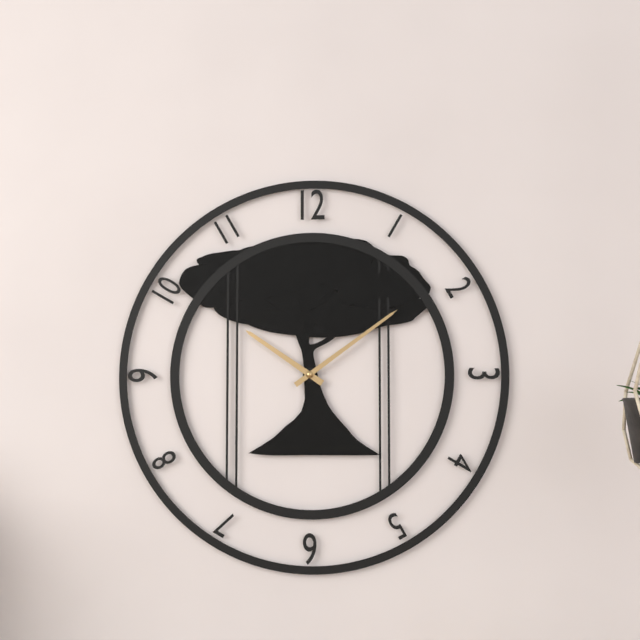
**10:09**
